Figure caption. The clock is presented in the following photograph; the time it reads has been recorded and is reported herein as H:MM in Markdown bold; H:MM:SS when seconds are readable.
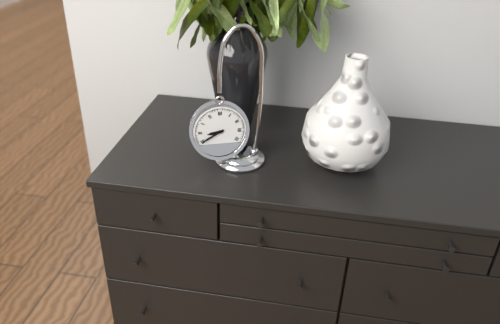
**8:40**
